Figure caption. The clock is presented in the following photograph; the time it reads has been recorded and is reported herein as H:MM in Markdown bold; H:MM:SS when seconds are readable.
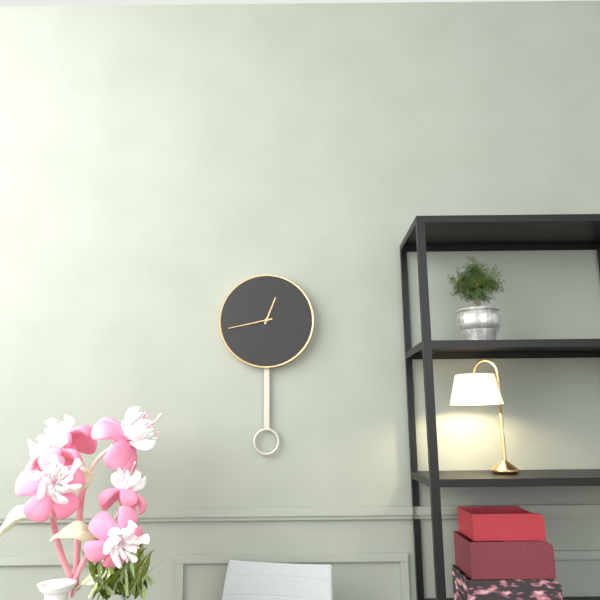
**12:43**
